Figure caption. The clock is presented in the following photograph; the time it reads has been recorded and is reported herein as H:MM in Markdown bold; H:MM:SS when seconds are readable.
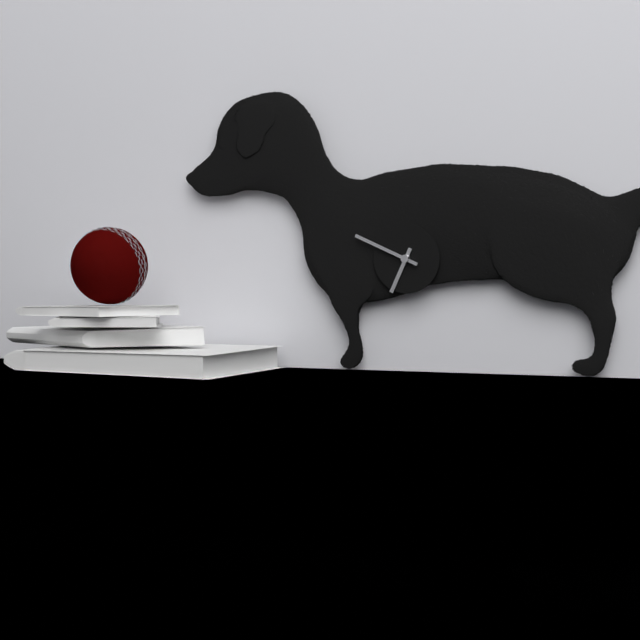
**6:49**
